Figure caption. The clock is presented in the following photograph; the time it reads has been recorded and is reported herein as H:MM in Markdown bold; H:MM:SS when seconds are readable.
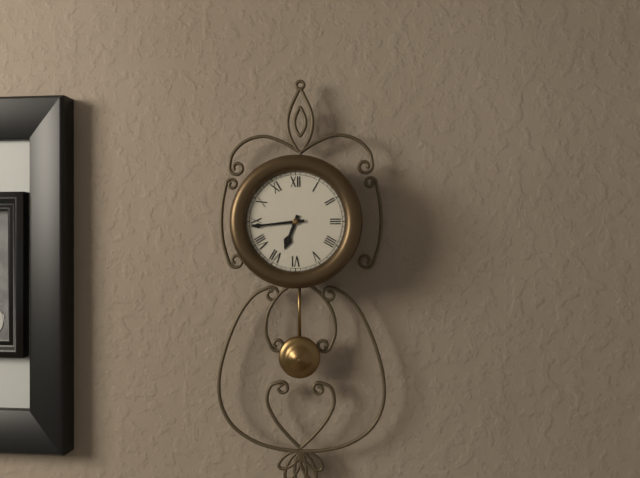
**6:44**
